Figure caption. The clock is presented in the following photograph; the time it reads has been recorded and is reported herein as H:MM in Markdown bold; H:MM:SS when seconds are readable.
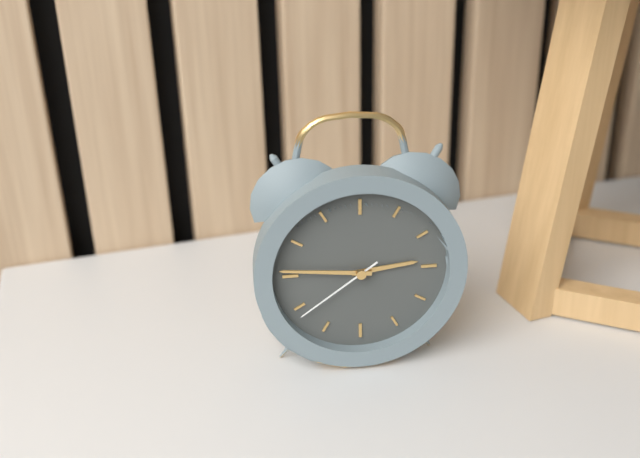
**2:46:39**
